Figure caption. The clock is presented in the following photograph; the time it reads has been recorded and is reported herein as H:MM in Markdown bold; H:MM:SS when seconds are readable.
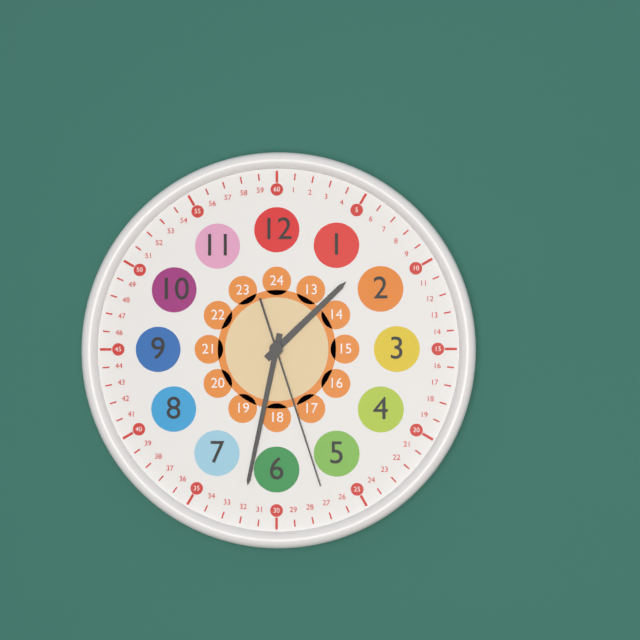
**1:32:27**
